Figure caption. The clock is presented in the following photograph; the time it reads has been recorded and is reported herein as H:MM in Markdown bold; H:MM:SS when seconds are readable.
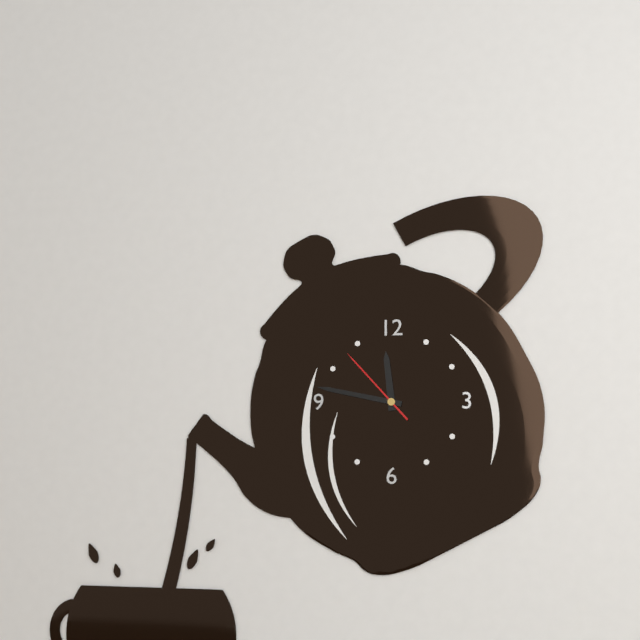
**11:47:53**
